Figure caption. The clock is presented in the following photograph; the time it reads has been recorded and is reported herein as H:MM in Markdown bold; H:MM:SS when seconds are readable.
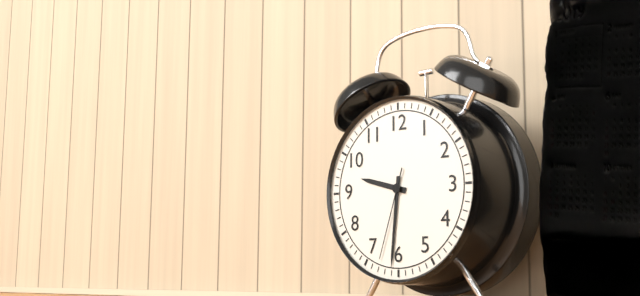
**9:31:33**
